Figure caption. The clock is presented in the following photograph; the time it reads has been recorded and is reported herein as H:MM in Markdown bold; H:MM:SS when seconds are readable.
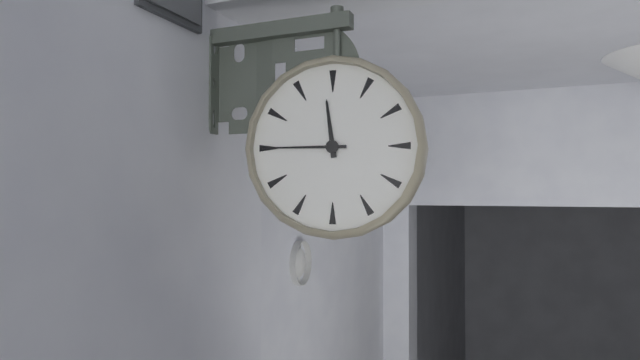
**11:45**
